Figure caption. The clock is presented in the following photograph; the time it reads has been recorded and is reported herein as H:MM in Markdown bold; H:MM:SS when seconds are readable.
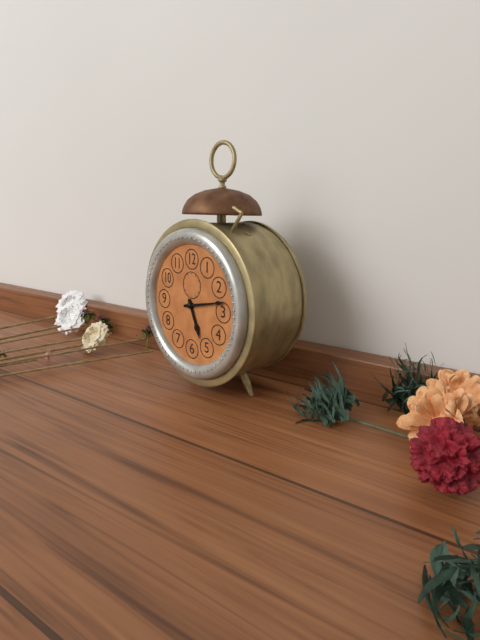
**5:13**
